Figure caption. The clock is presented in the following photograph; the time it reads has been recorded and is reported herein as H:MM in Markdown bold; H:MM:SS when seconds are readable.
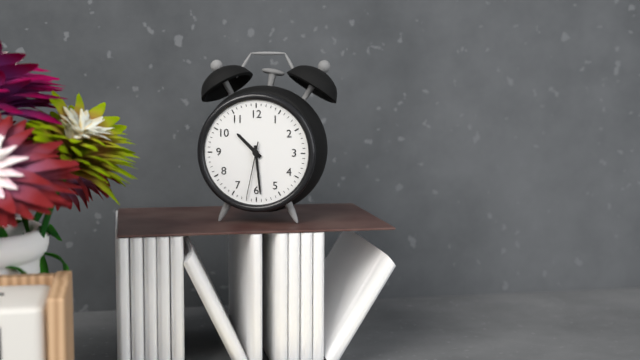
**10:29:32**
